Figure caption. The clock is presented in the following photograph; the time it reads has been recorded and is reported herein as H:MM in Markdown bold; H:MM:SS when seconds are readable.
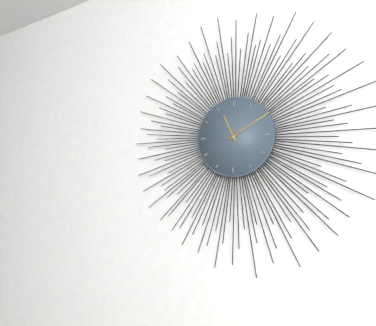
**11:10**
